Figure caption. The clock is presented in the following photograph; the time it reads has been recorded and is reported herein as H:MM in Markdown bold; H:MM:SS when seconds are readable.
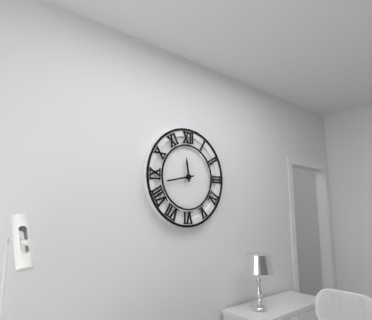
**11:43**
